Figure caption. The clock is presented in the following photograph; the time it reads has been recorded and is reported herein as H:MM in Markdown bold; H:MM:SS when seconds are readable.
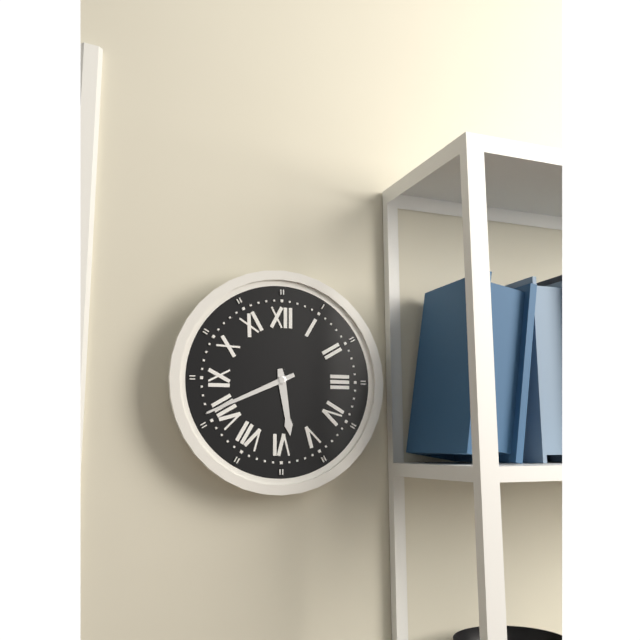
**5:41**
